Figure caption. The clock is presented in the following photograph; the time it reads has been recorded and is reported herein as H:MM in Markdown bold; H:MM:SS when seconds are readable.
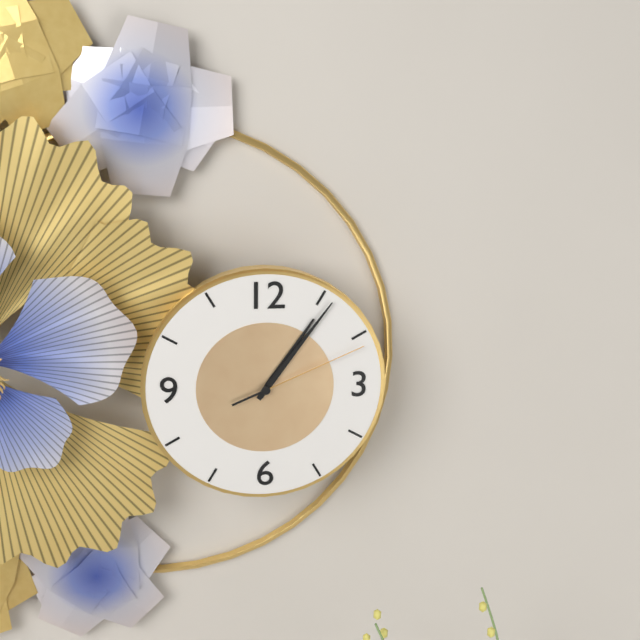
**1:06:11**
